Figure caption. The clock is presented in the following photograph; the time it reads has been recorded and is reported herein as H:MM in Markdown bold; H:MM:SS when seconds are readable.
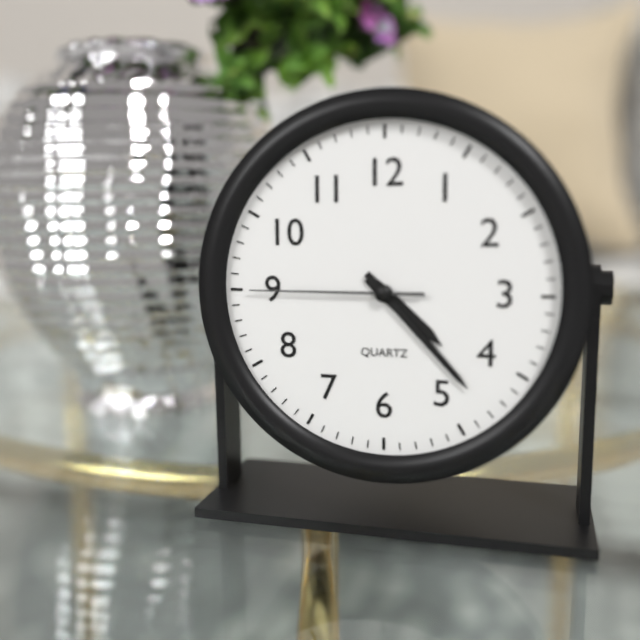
**4:23:45**
